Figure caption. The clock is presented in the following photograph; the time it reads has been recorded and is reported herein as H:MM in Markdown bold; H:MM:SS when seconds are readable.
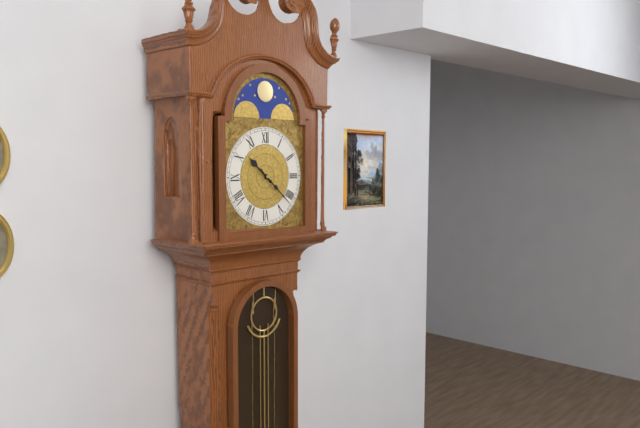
**10:22**
